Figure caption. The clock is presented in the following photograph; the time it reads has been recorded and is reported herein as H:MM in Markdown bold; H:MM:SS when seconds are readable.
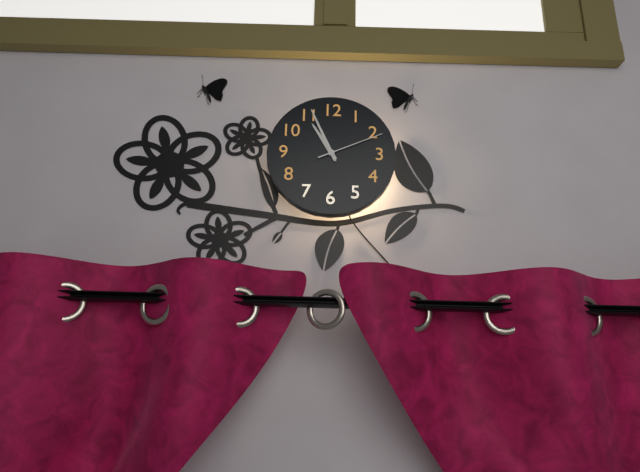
**10:56:11**
